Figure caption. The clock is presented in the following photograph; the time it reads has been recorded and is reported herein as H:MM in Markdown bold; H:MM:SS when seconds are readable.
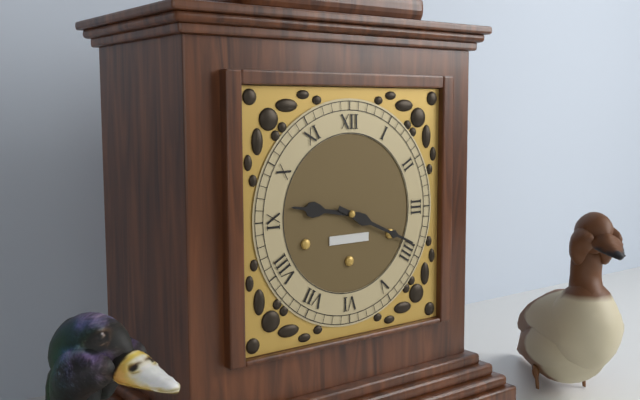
**9:19**
